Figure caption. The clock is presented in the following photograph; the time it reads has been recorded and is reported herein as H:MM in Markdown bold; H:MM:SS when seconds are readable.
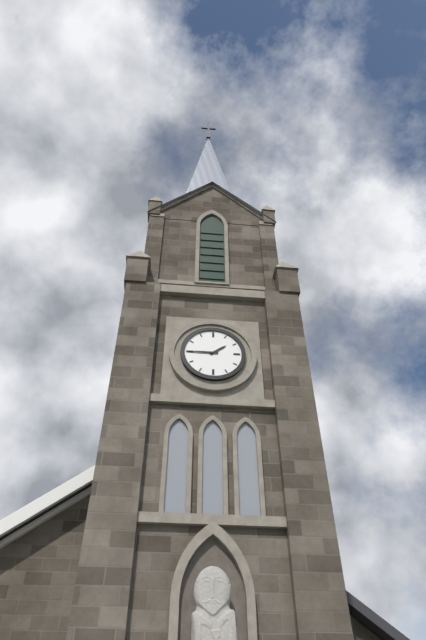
**1:45**
